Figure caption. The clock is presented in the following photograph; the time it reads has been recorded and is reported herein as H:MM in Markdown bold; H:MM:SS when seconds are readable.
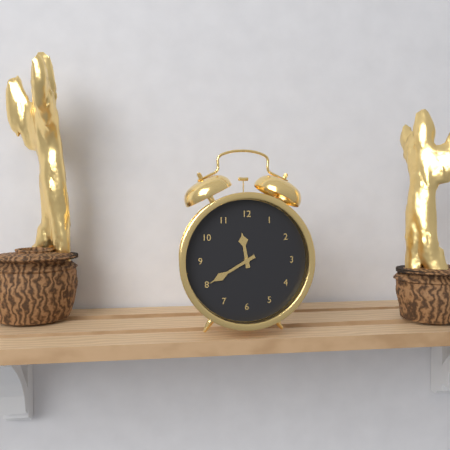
**11:40**
